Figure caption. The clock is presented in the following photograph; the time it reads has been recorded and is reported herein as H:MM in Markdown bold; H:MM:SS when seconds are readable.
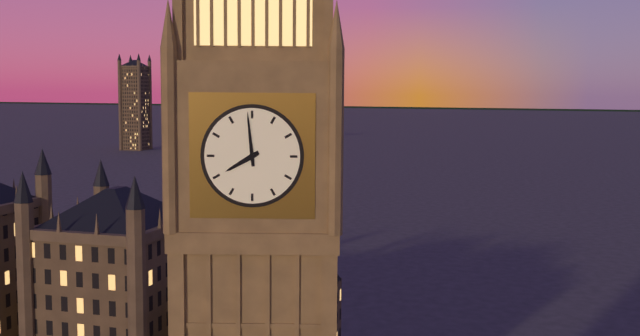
**7:59**
